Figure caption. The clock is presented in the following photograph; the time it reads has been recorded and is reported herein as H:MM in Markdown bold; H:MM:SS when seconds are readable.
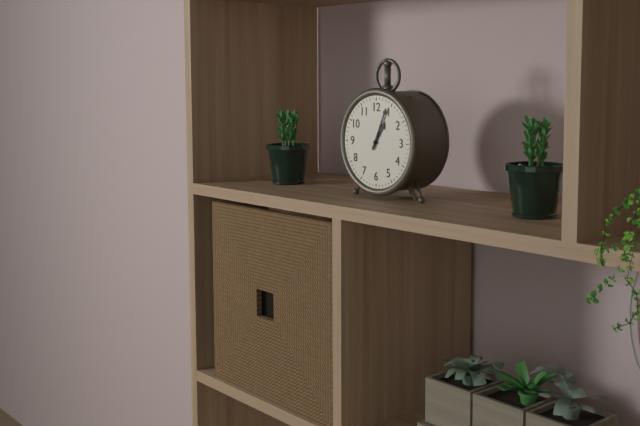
**1:04**
